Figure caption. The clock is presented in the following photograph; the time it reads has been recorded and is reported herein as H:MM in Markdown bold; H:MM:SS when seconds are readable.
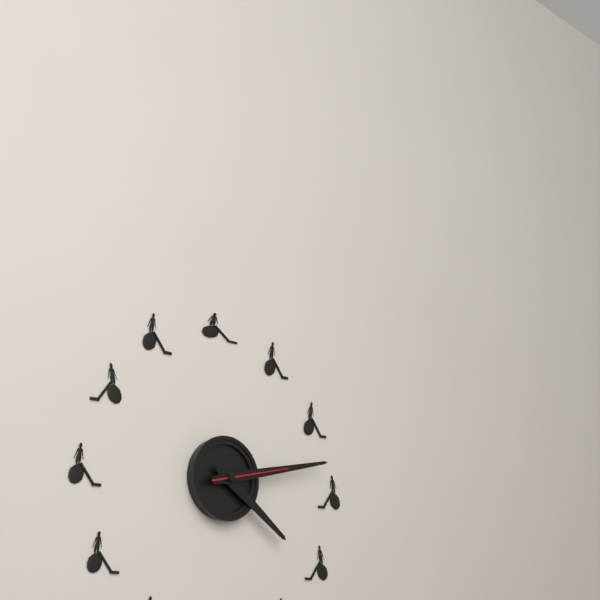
**4:13:13**
